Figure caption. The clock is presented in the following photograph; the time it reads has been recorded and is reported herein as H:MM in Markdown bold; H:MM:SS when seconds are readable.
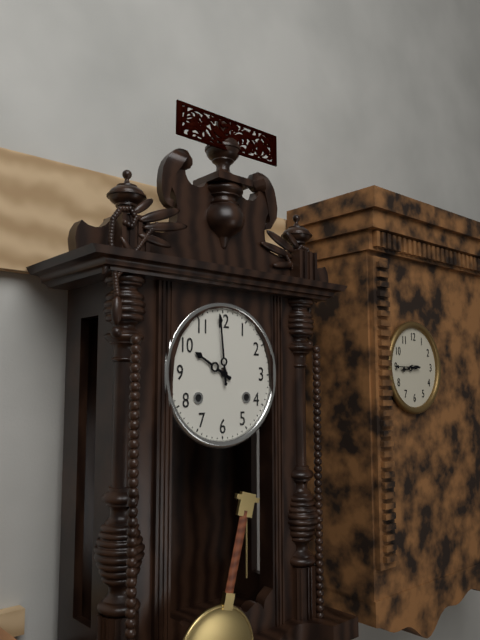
**9:59**
